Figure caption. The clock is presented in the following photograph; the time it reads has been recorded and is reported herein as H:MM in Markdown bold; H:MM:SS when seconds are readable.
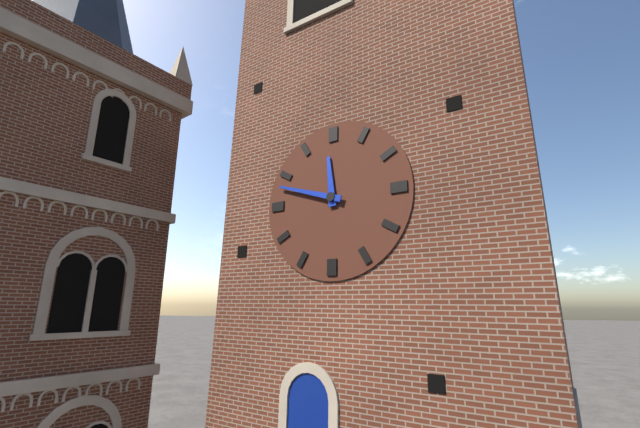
**11:48**
